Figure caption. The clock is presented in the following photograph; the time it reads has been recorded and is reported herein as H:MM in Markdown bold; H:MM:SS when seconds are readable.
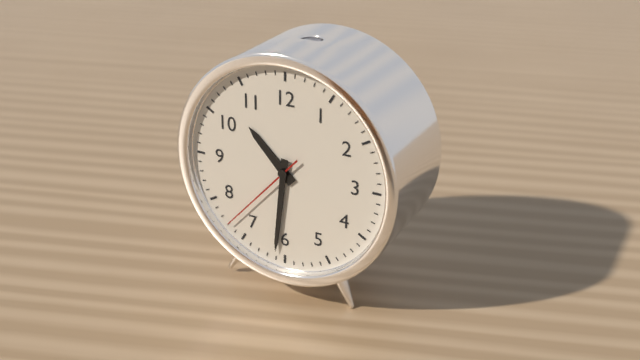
**10:31:37**
